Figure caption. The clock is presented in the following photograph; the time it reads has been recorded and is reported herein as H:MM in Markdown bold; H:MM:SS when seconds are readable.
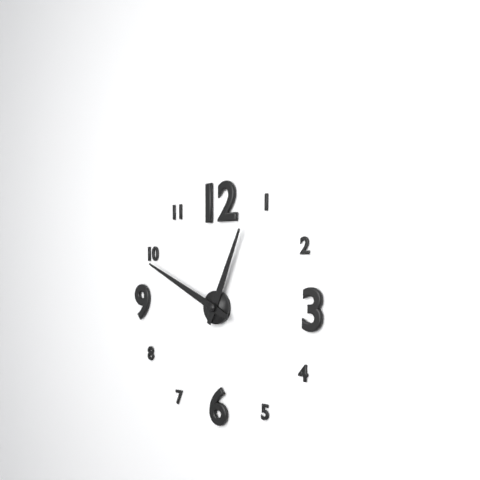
**12:49**
